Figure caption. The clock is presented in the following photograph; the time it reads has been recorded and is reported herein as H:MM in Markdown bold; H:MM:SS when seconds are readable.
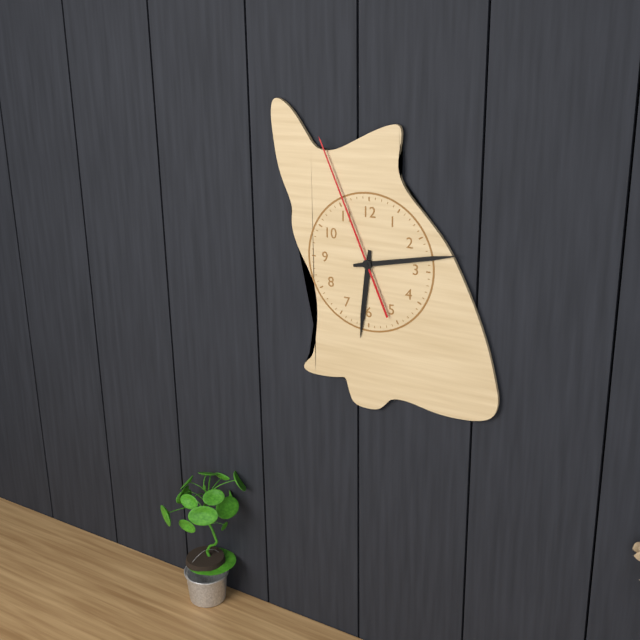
**6:13:56**
